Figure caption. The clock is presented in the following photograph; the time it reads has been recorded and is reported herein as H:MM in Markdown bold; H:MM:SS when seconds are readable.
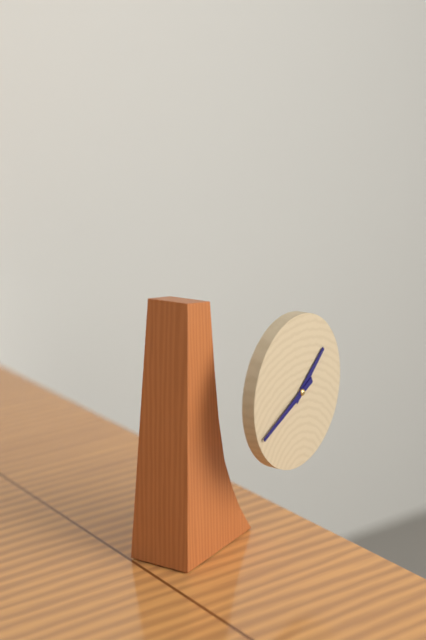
**1:41**
